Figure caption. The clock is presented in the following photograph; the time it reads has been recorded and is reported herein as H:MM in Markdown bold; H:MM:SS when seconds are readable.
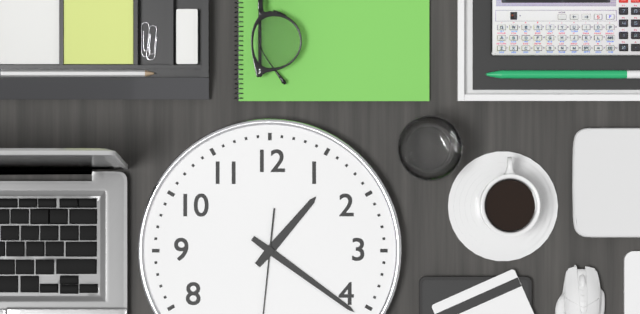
**1:21**
